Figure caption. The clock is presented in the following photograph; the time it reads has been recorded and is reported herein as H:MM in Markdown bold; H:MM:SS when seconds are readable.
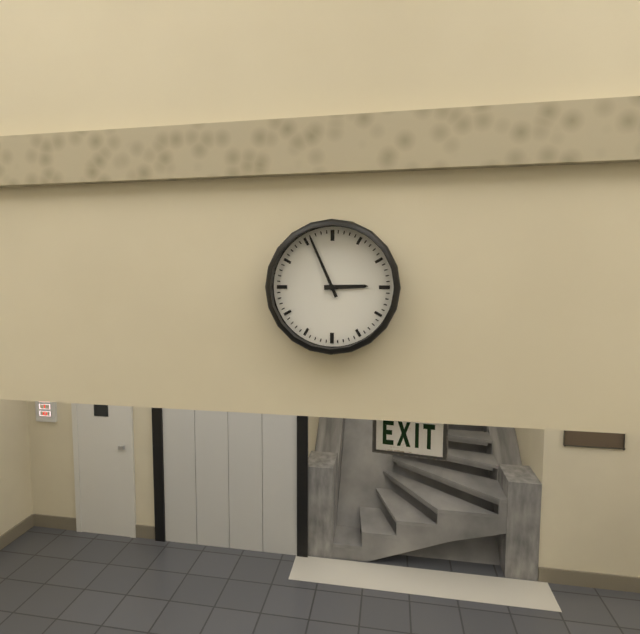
**2:56**
